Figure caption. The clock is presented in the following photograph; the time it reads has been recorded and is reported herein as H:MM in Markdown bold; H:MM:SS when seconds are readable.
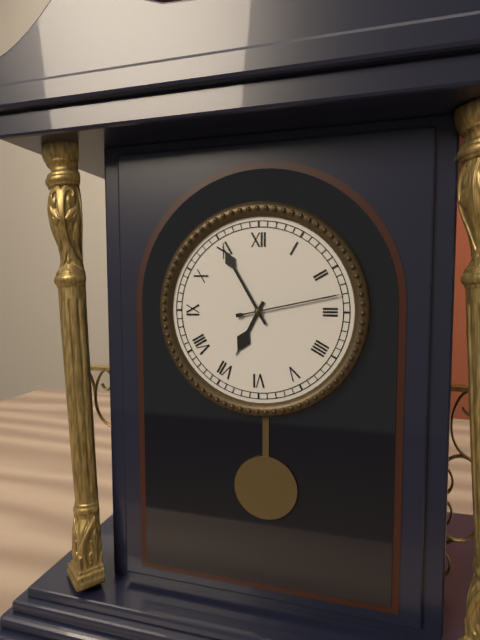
**6:55:13**
